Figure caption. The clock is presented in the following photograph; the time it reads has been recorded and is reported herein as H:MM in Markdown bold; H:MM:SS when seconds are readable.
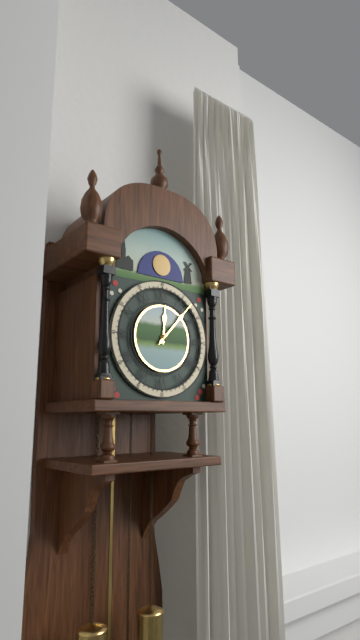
**12:07**
